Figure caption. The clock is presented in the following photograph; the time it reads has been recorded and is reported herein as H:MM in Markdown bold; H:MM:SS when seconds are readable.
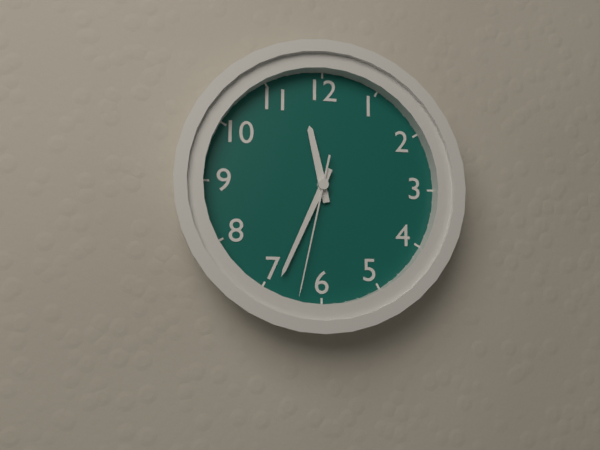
**11:34:32**
